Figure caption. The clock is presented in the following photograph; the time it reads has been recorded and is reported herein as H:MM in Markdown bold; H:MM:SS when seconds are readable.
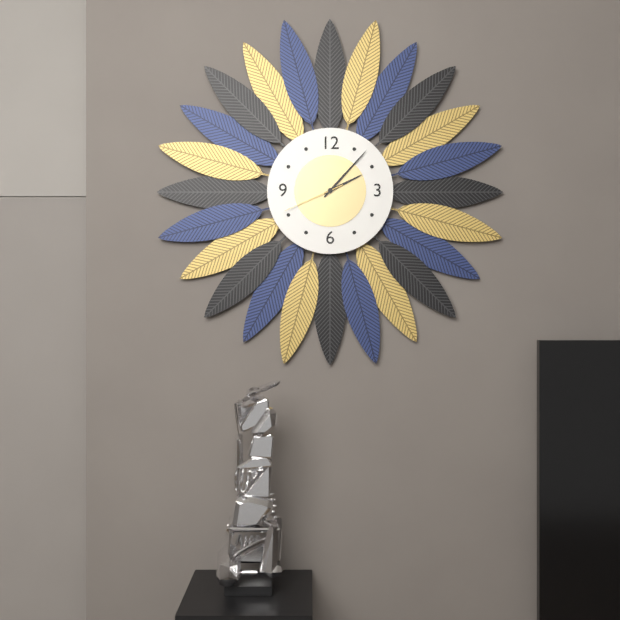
**2:07:41**
